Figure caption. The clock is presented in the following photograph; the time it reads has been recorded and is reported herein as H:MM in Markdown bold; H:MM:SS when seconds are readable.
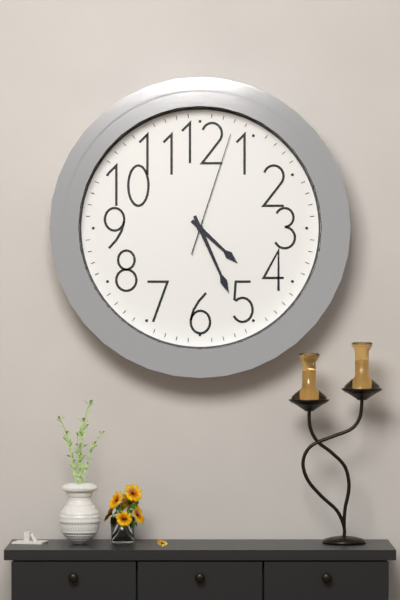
**4:26:03**
